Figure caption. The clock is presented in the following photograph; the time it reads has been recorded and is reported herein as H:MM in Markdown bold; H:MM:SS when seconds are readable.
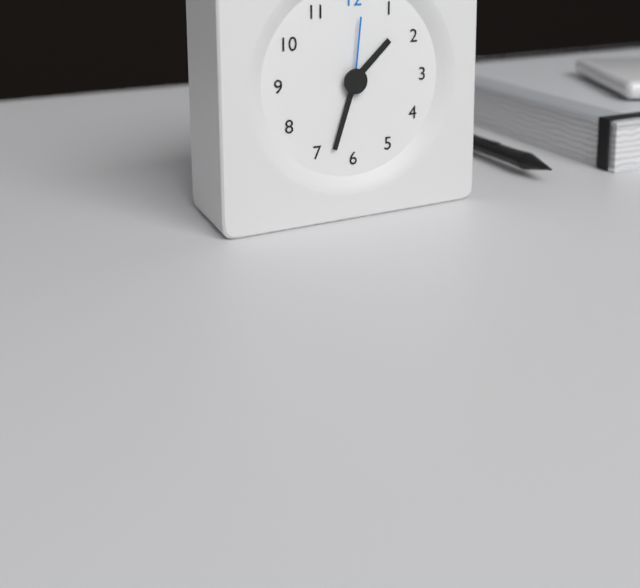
**1:33:01**
